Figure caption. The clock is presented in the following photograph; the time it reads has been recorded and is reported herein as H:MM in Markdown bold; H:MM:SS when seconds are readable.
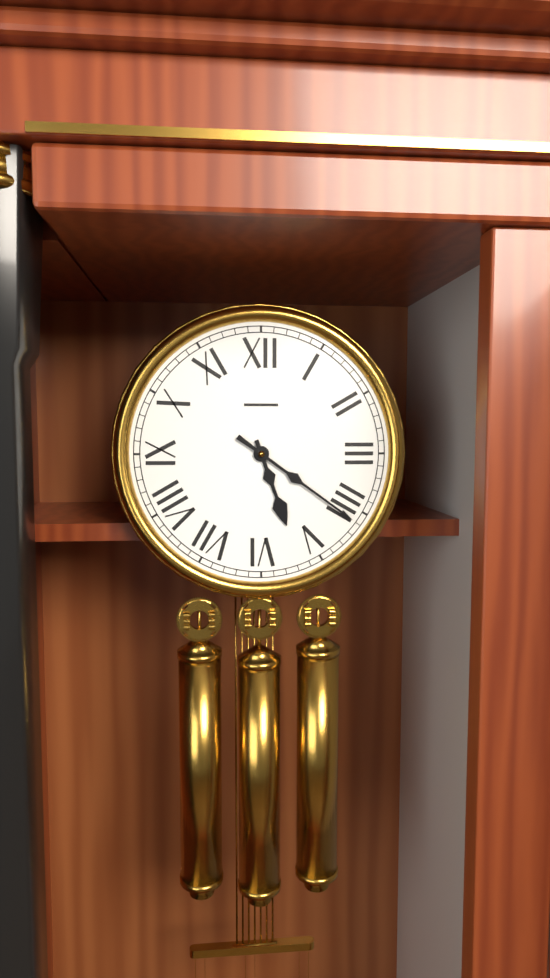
**5:21**
